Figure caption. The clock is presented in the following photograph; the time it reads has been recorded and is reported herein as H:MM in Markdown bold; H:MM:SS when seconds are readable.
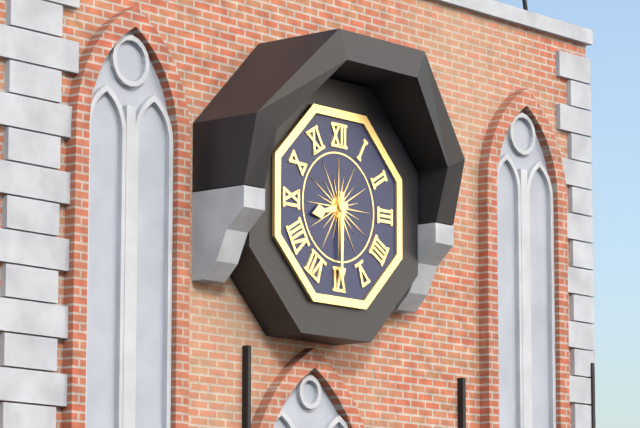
**8:30**
